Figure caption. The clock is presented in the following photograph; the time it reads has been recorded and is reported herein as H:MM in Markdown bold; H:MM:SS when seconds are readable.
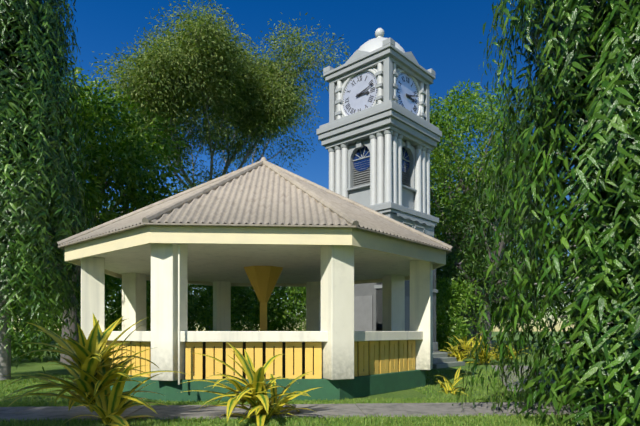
**3:12**
